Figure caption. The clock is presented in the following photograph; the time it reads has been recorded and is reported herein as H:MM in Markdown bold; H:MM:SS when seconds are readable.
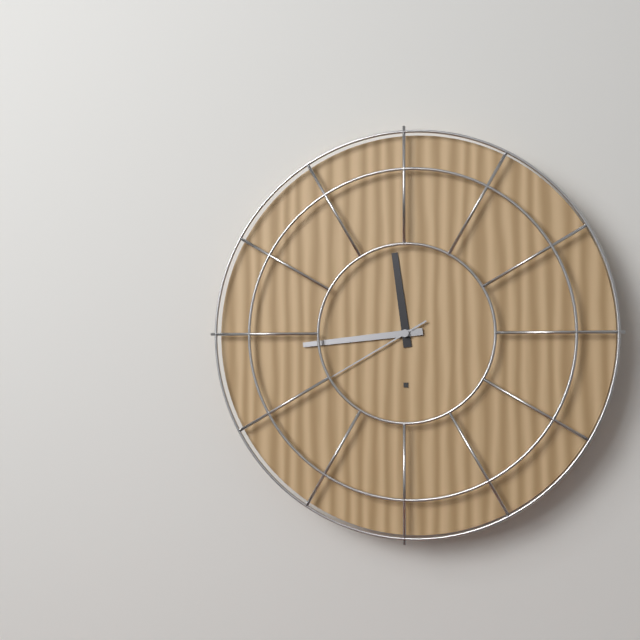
**11:44:40**
